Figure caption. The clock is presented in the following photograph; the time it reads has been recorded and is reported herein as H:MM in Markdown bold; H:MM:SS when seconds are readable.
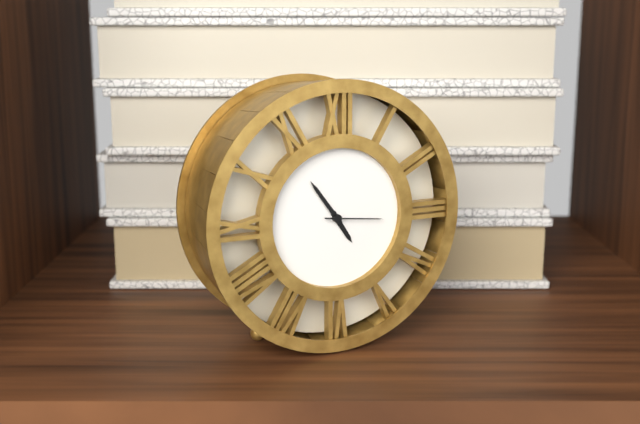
**4:54:16**
